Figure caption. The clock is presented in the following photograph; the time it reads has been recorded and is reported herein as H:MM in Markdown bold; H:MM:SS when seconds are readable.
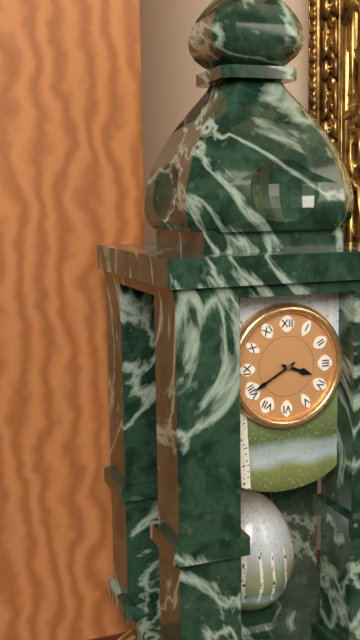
**3:40**
